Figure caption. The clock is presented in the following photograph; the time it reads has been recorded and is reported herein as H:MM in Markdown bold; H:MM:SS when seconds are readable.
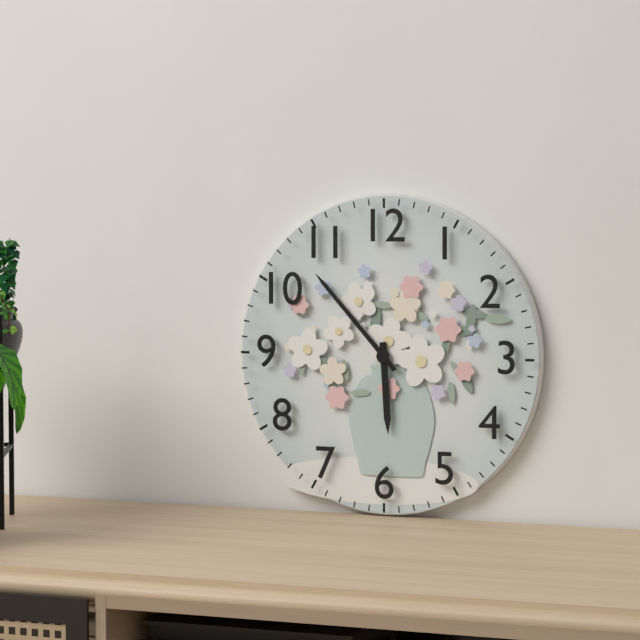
**5:53**
